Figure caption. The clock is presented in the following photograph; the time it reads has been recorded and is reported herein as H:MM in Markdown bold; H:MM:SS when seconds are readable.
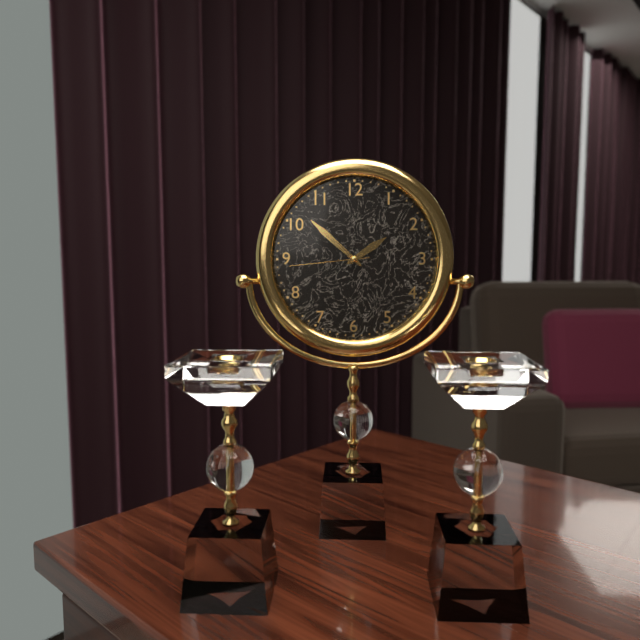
**1:52:44**
